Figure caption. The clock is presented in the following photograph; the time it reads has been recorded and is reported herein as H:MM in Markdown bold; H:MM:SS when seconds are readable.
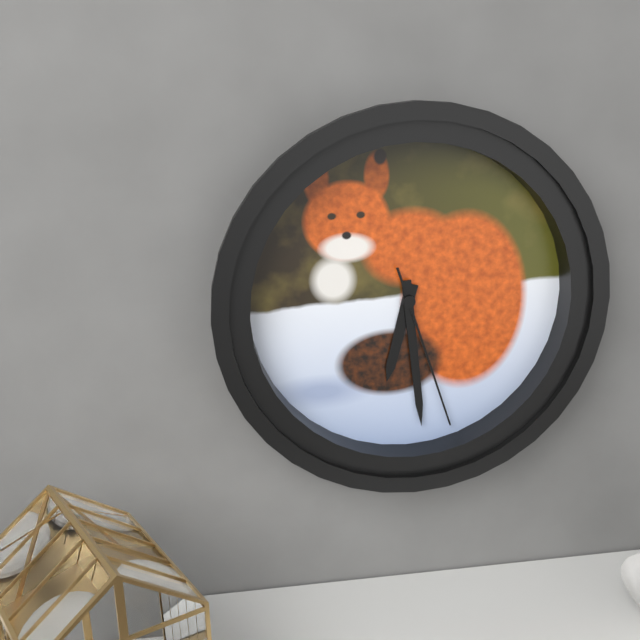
**6:29:27**
